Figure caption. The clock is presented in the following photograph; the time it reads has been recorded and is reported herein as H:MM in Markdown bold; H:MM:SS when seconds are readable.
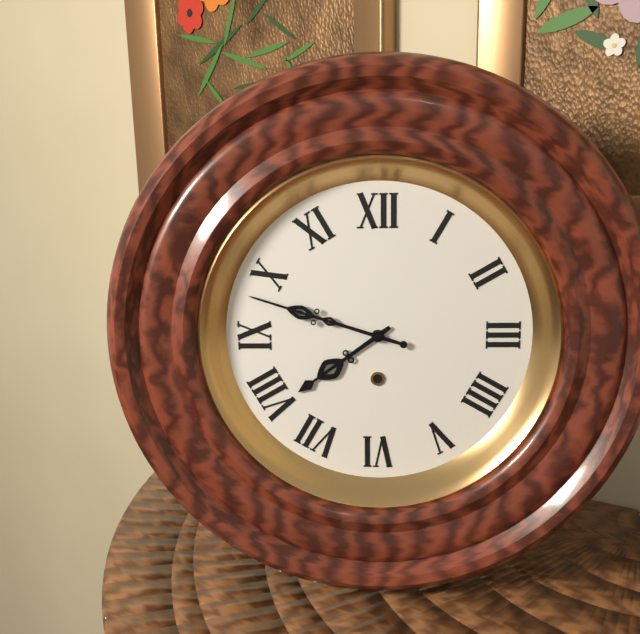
**7:48**
